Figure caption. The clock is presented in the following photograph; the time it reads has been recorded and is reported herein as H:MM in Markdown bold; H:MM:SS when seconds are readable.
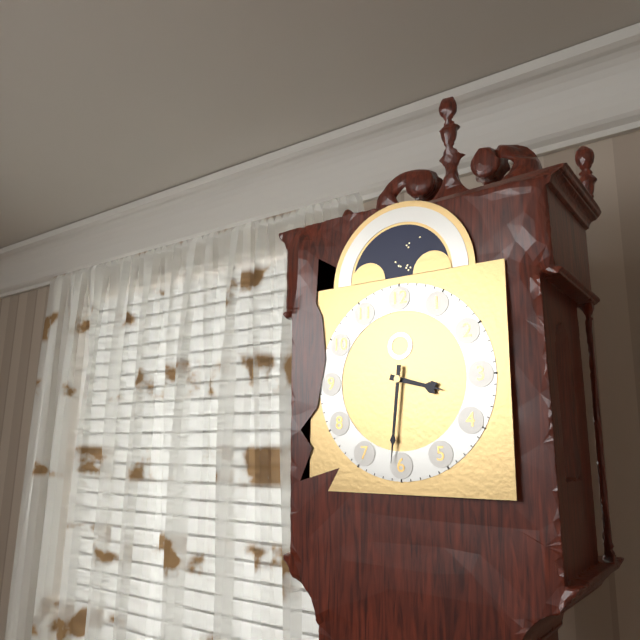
**3:31**
